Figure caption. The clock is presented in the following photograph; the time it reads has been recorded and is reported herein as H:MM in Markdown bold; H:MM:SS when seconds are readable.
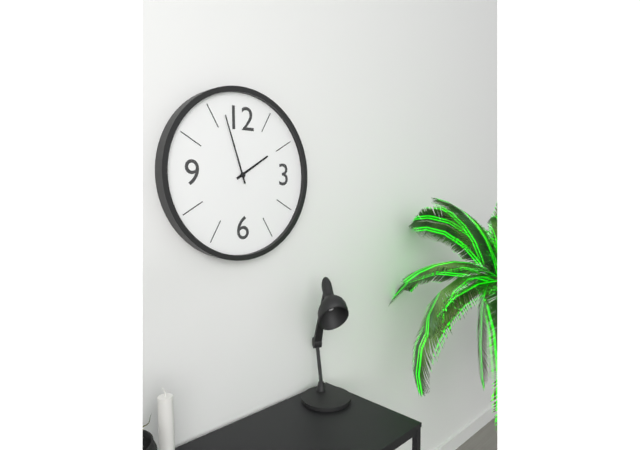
**1:57**
